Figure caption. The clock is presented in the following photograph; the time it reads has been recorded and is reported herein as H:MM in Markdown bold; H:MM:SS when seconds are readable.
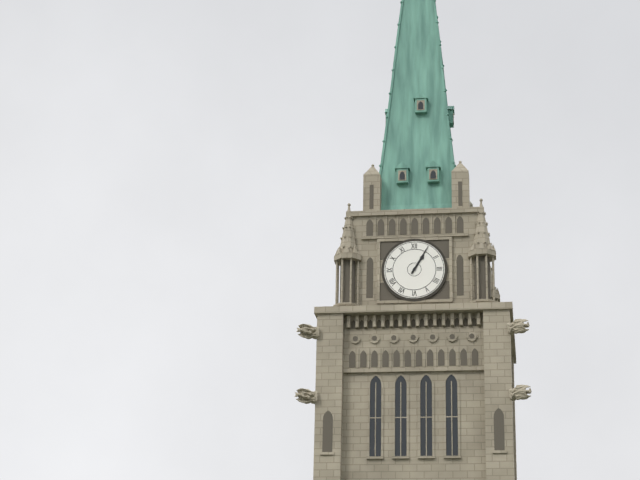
**1:05**
